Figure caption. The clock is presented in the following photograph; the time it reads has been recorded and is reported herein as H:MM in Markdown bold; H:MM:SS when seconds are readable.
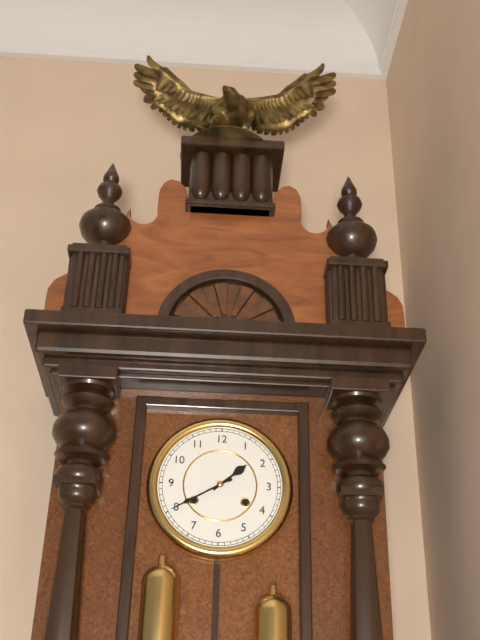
**1:40**
